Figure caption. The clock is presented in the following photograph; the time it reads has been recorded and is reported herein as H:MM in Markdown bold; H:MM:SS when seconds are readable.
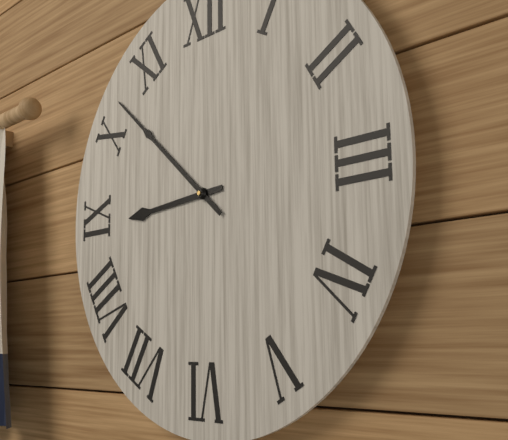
**8:52**
